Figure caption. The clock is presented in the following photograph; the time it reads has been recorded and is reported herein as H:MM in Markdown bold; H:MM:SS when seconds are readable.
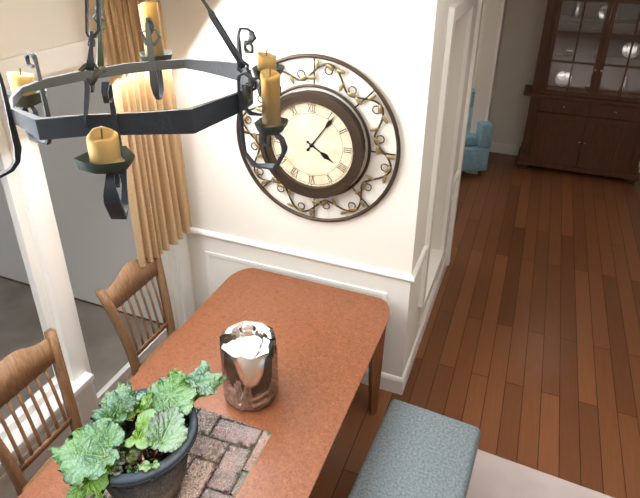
**4:06**
